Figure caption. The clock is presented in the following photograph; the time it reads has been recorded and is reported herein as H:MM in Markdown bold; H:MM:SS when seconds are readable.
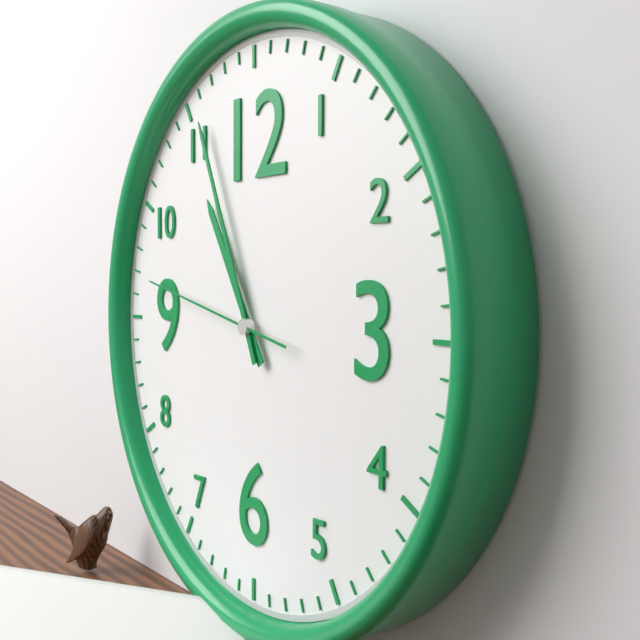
**10:56:47**
